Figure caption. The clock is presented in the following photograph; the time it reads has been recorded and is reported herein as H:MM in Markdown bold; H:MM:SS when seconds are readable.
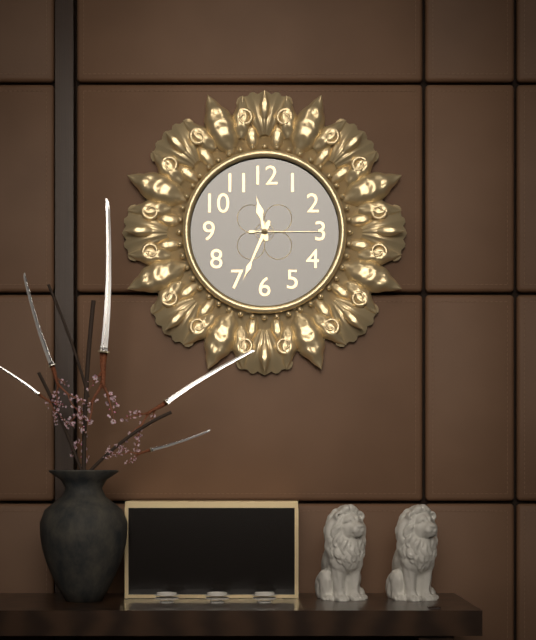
**11:34:15**
